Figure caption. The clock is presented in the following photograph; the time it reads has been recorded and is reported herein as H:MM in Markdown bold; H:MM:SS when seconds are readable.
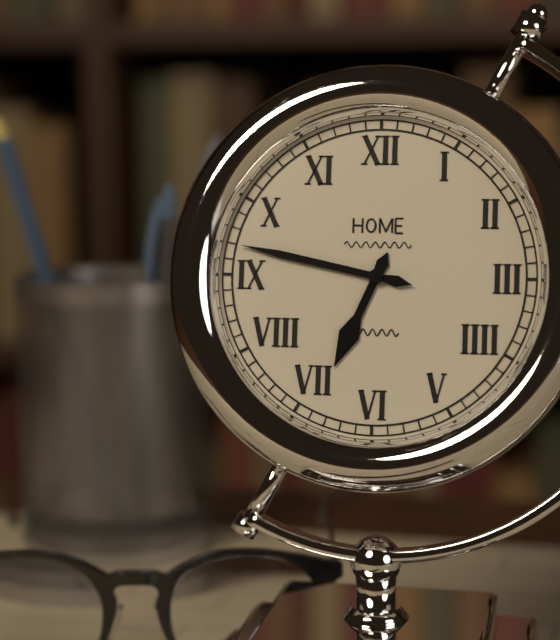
**6:47**
